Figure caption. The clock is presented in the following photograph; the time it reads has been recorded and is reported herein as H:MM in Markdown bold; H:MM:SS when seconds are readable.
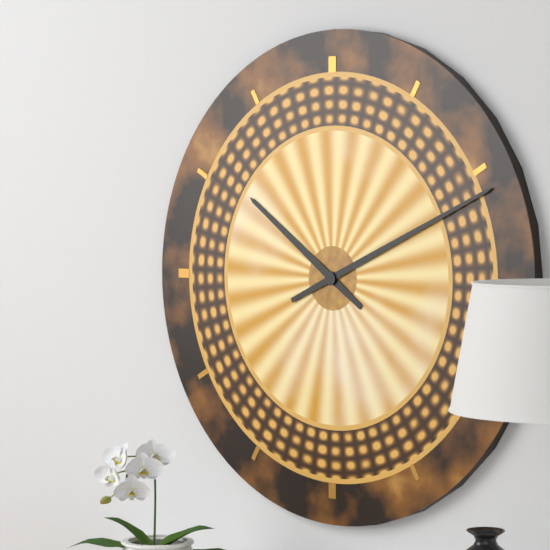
**10:11**
